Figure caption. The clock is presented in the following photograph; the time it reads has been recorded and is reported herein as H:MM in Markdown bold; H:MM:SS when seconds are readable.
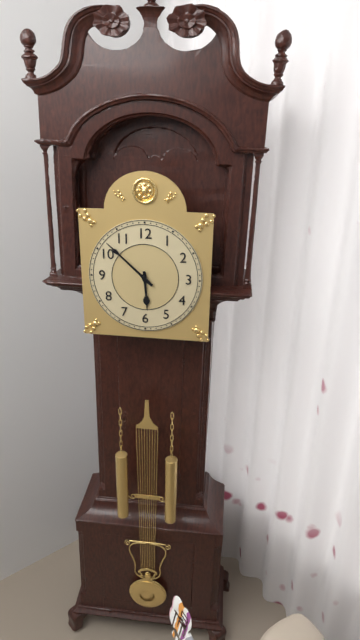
**5:52**
